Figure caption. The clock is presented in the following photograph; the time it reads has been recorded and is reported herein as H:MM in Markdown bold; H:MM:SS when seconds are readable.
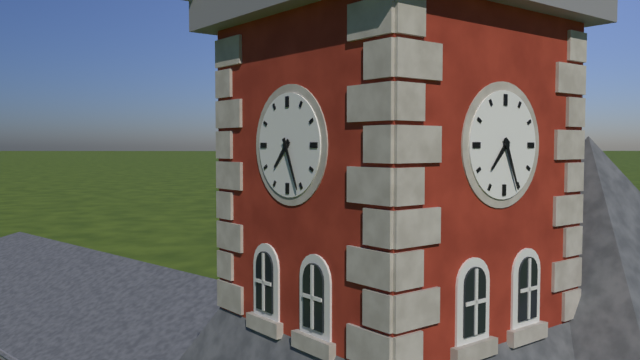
**7:26**
